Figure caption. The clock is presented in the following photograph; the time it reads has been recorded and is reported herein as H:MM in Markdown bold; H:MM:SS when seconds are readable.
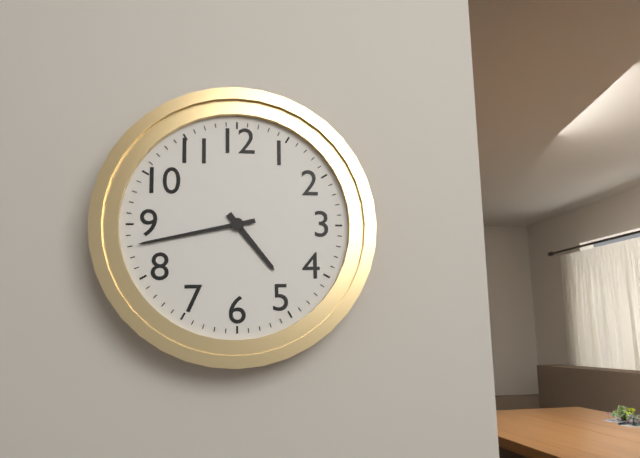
**4:43**
